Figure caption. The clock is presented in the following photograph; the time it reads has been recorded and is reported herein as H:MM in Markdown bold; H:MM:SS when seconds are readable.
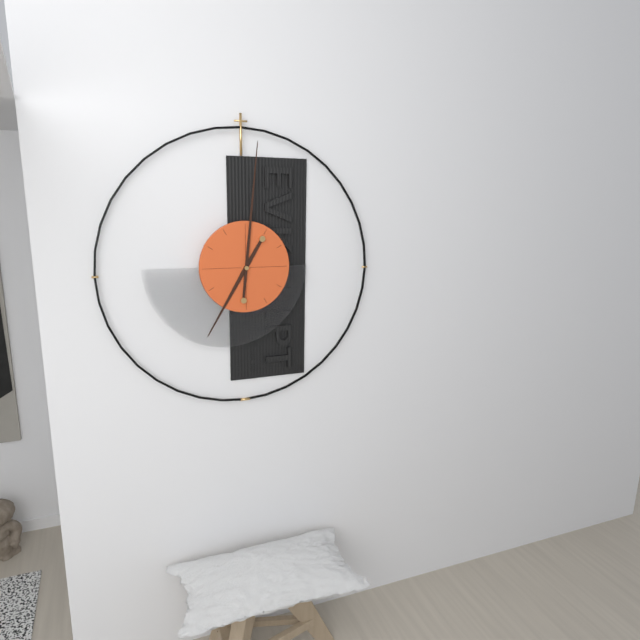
**7:01**
